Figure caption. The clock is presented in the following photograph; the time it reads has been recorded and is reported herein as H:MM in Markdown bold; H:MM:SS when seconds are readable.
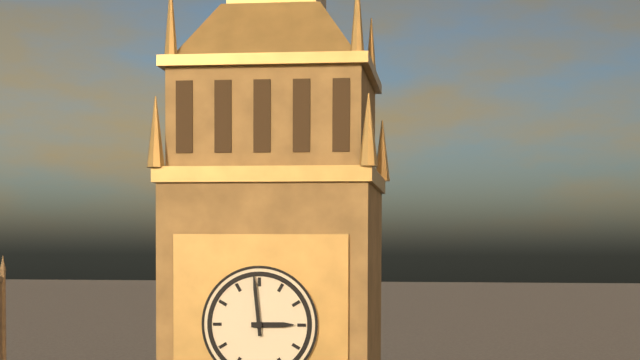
**2:59**
